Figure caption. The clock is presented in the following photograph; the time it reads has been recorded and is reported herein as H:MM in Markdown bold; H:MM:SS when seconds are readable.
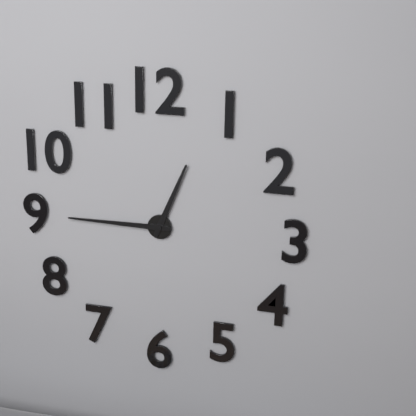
**12:45**
